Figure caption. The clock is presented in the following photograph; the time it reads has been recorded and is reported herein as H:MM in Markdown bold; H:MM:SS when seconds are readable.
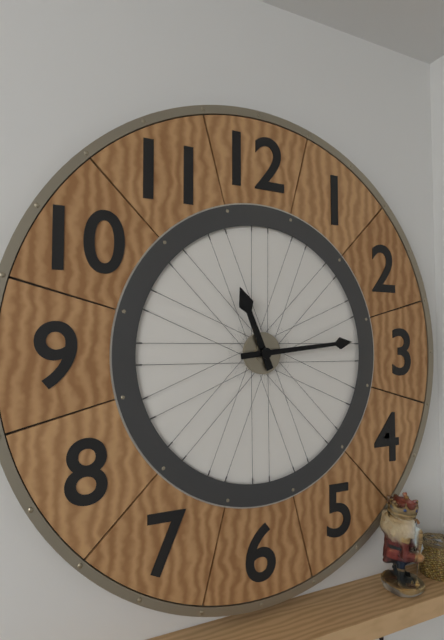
**11:14**
